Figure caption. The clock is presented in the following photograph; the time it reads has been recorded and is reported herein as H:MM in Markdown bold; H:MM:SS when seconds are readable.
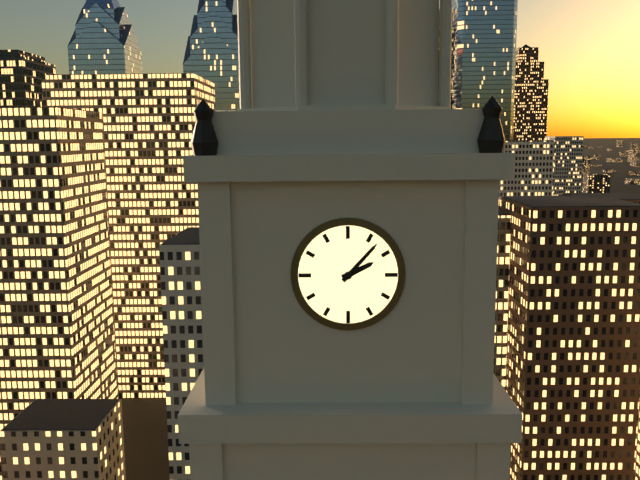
**2:07**
